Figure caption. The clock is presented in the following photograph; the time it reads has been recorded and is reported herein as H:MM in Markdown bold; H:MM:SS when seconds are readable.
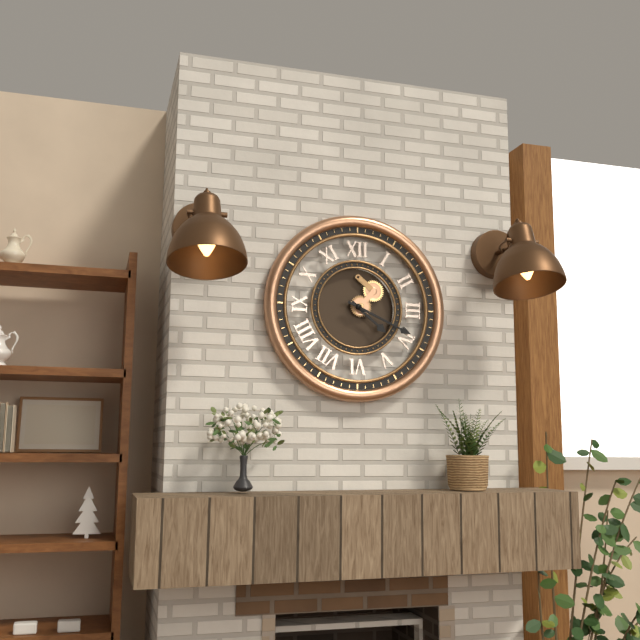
**4:19**
